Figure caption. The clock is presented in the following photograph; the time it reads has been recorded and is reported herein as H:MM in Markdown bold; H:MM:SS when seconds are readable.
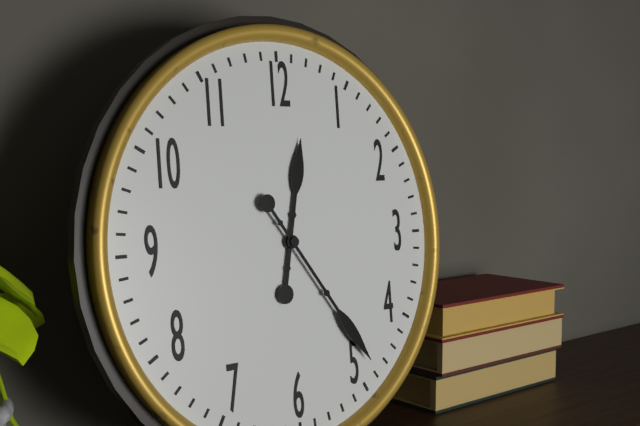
**12:24**
